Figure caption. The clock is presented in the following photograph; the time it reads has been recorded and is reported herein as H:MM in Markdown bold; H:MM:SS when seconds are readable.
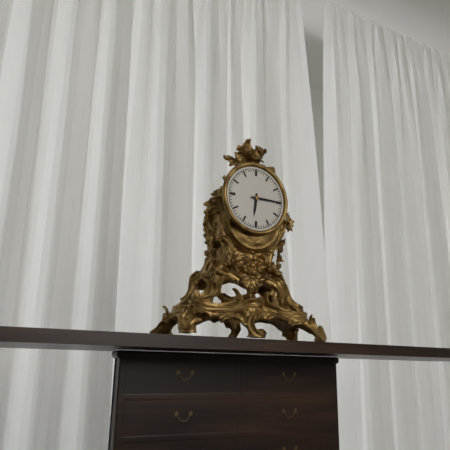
**6:15**
